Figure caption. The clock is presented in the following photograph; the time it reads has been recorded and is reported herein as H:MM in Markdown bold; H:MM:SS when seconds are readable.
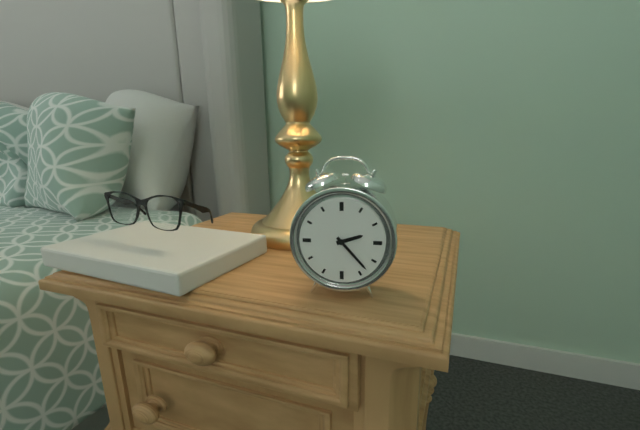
**2:23**
